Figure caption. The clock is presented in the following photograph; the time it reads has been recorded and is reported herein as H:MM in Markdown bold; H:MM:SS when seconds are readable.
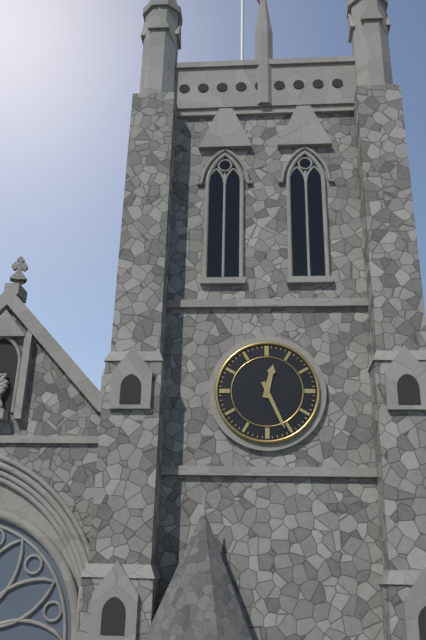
**12:26**
